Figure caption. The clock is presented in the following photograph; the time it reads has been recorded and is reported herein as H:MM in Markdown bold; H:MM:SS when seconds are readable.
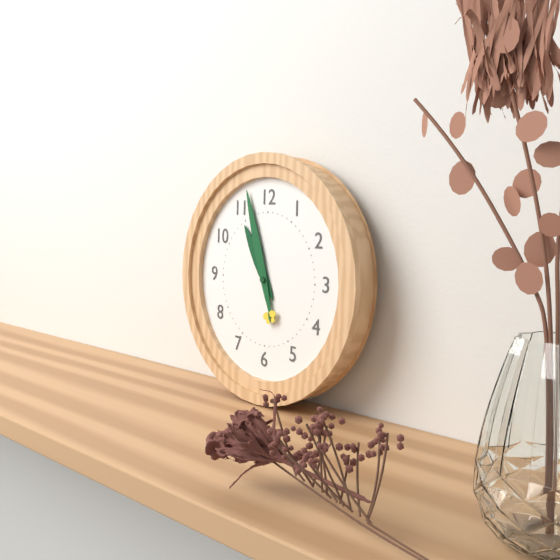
**10:57**
